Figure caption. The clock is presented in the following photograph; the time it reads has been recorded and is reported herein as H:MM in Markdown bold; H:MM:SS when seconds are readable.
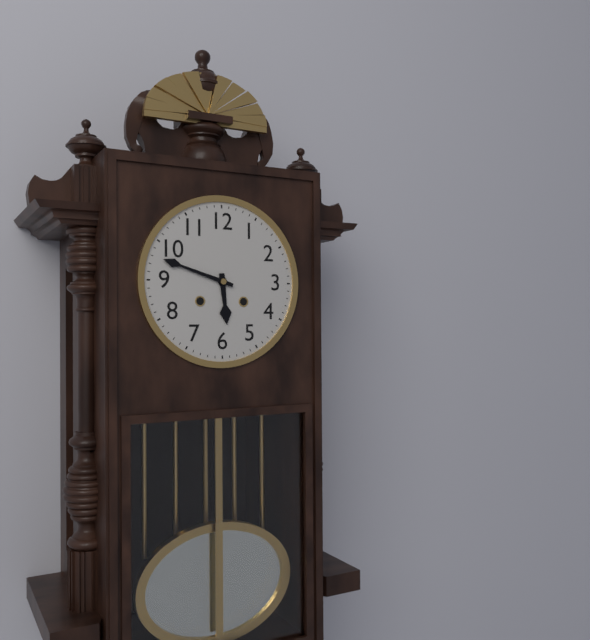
**5:48**
